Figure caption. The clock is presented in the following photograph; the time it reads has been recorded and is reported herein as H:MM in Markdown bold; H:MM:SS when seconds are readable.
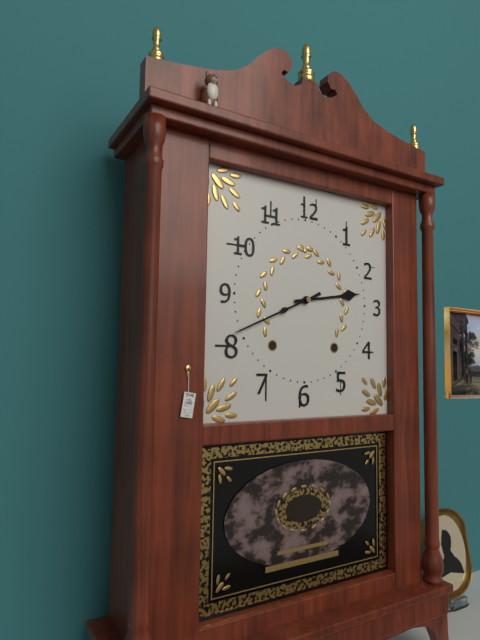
**2:41**
